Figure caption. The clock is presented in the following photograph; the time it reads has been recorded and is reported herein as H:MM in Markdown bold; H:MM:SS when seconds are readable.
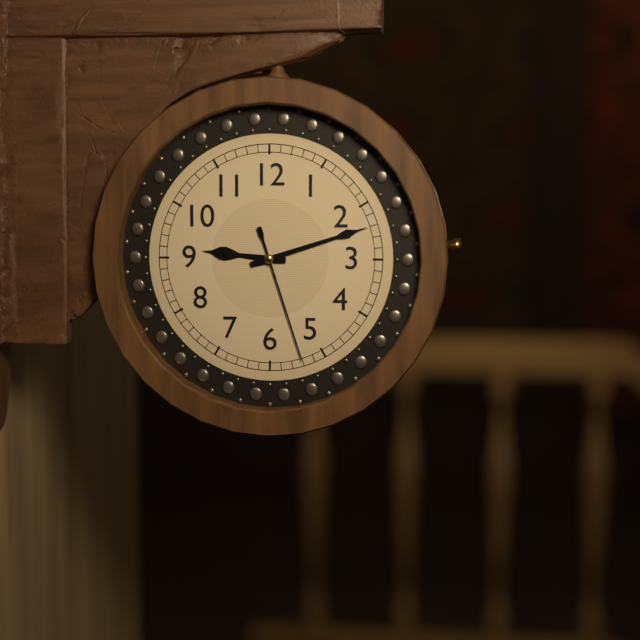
**9:12:27**
